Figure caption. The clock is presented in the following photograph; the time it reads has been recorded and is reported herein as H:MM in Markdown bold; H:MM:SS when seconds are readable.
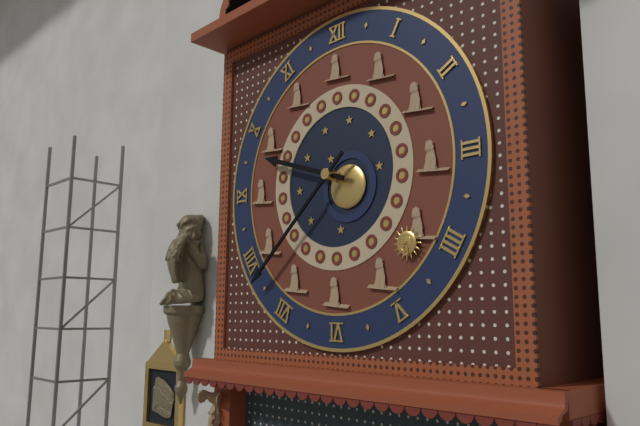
**9:38**
